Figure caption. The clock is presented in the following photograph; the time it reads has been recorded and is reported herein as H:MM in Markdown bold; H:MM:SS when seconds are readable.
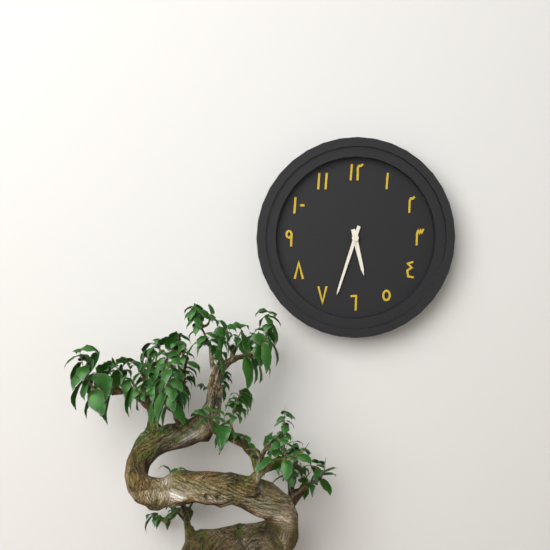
**5:33**
